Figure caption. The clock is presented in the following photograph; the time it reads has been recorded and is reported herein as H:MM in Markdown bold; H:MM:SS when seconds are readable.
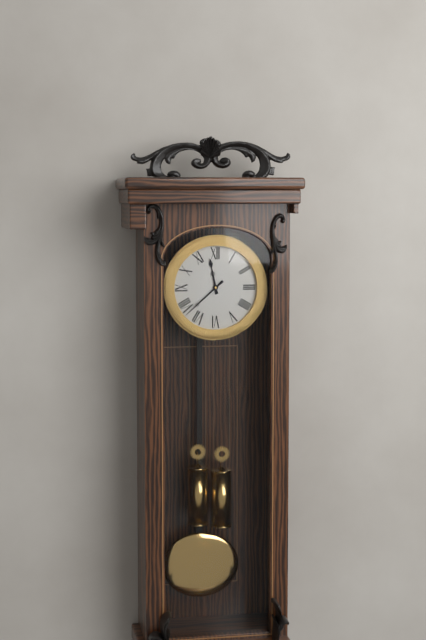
**11:38**
